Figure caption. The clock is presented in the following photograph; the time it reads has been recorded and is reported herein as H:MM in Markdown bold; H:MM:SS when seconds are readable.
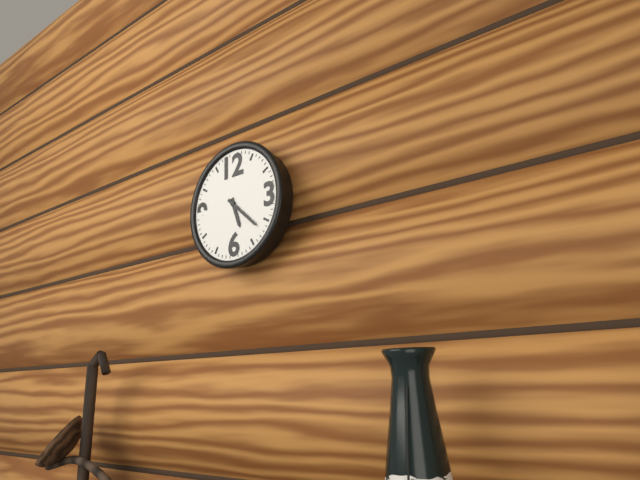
**5:22**
